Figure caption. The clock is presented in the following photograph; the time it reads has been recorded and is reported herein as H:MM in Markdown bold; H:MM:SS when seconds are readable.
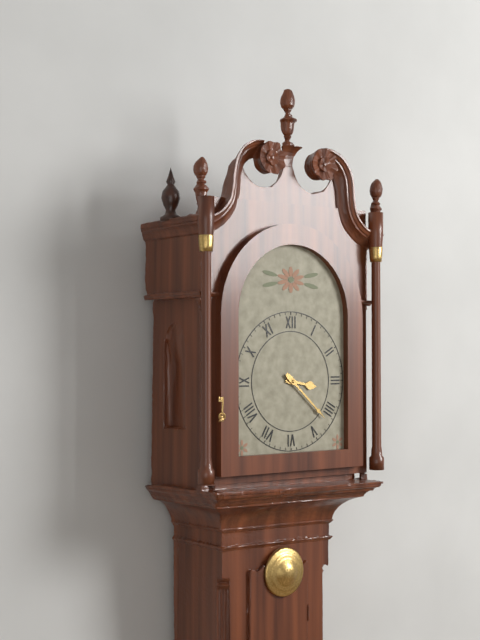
**3:22**
